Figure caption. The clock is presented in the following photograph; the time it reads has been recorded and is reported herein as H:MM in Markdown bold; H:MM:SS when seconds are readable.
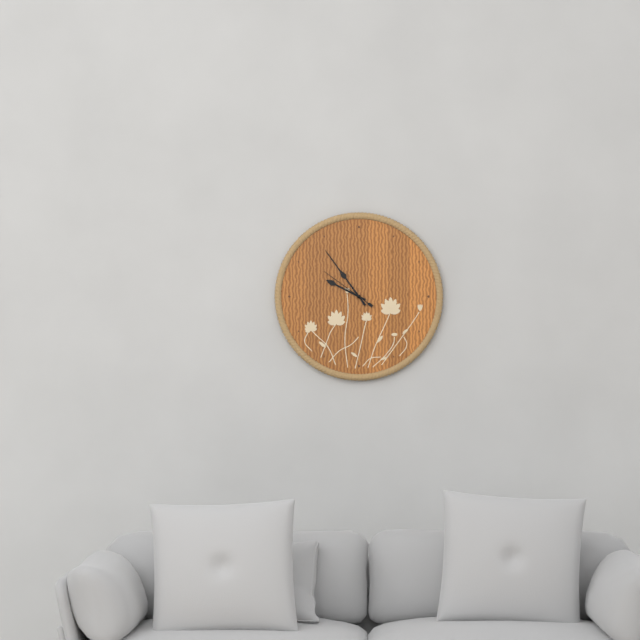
**9:54:51**
